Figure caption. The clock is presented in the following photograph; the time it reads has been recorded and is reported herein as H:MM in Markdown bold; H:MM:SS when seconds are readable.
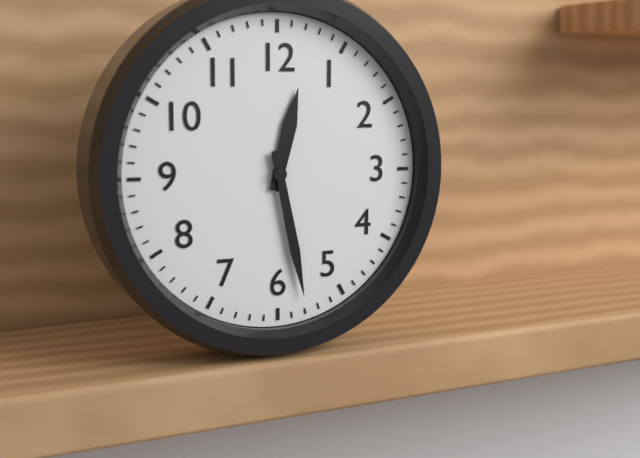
**12:28**
